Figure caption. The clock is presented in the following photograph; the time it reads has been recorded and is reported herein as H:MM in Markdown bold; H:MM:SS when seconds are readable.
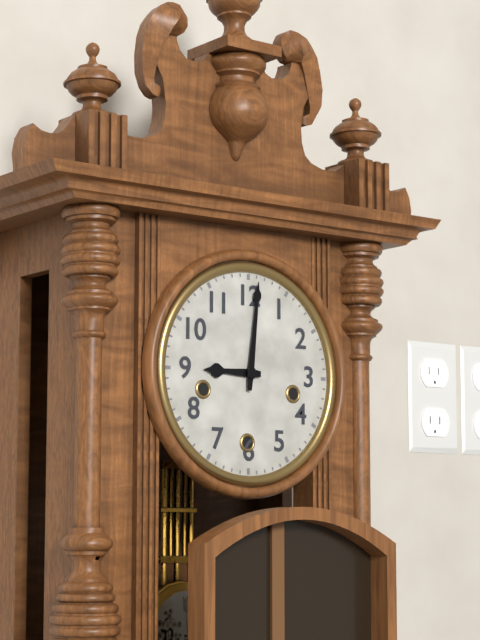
**9:01**
